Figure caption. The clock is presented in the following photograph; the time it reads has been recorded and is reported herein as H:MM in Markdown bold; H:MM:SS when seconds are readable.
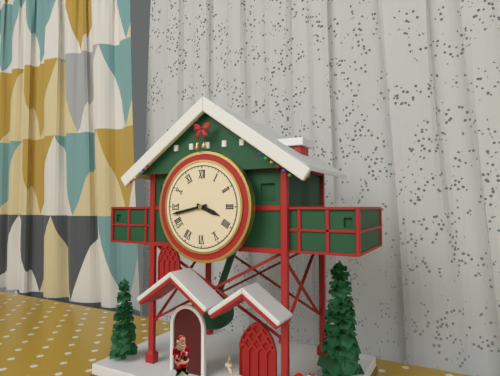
**3:43**
